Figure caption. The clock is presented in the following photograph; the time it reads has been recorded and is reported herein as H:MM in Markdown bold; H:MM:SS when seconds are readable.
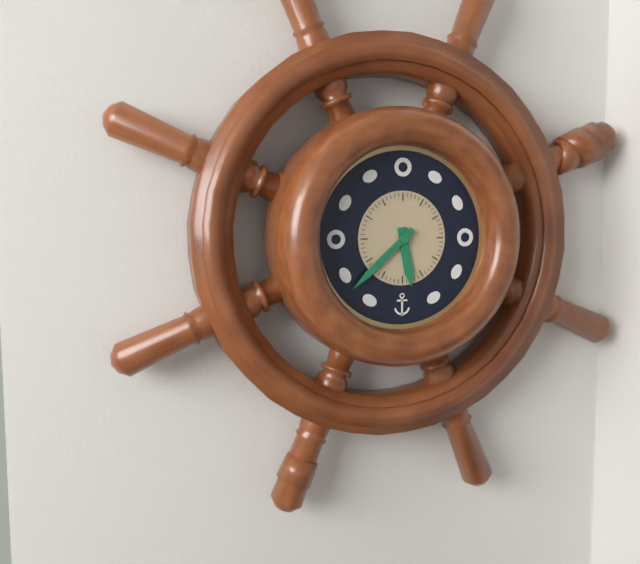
**5:38**
